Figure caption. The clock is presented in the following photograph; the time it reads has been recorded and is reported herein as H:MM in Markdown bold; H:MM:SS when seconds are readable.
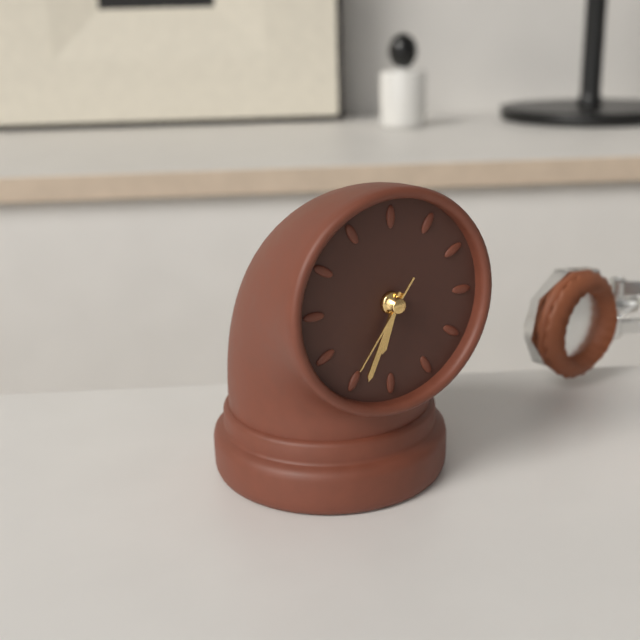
**6:34:36**
